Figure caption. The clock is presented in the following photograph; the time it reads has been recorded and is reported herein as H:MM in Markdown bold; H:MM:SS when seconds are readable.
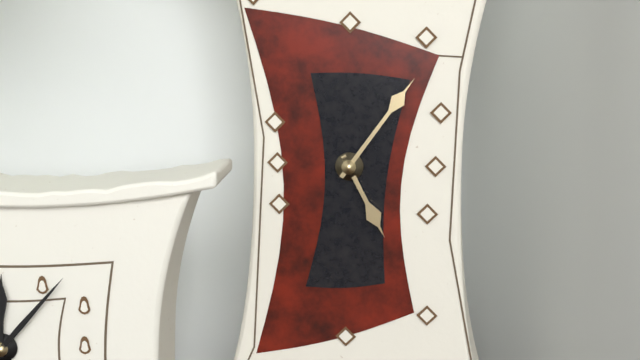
**5:06**
